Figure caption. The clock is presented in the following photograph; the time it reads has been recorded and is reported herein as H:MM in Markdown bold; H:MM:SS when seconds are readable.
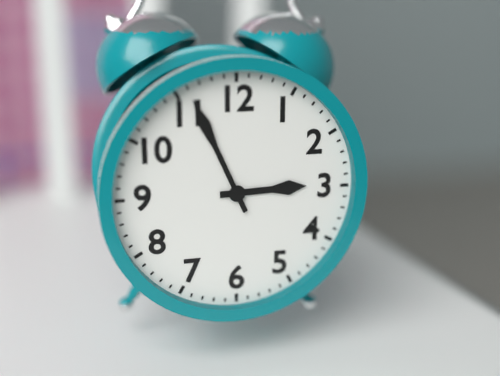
**2:56**
